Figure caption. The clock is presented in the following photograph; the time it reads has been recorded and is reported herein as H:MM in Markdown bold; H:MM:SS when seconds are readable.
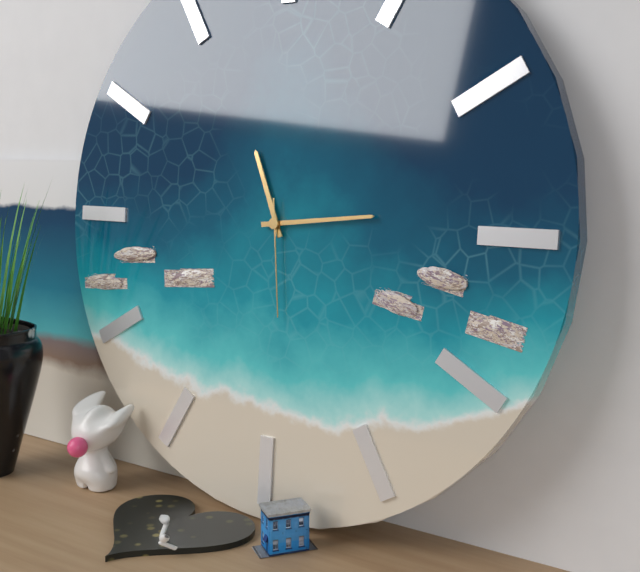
**11:14:29**
